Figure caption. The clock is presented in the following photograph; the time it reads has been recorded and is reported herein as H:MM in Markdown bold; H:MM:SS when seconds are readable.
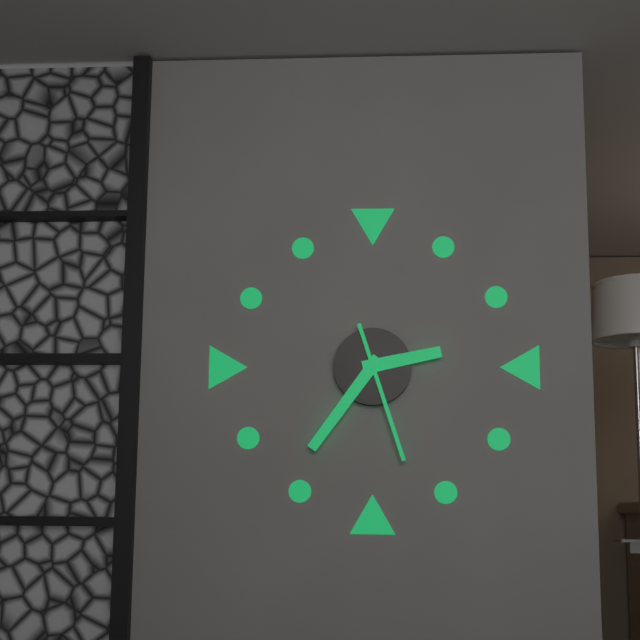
**2:36:27**
